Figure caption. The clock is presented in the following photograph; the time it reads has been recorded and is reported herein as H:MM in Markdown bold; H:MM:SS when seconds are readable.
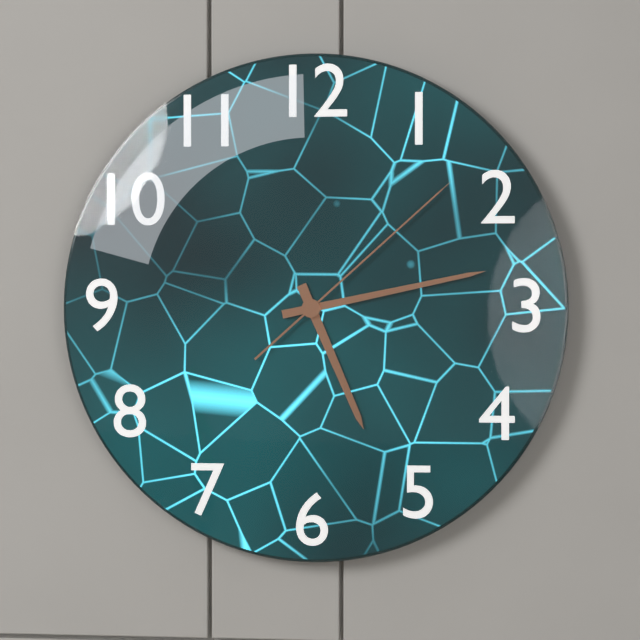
**5:13:08**
